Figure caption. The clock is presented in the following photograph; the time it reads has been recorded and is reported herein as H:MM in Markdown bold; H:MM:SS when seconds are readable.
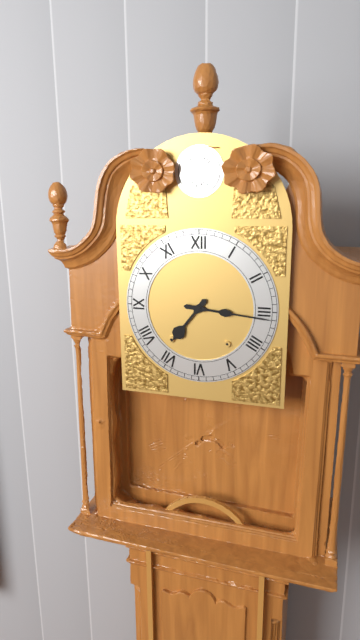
**7:16**
